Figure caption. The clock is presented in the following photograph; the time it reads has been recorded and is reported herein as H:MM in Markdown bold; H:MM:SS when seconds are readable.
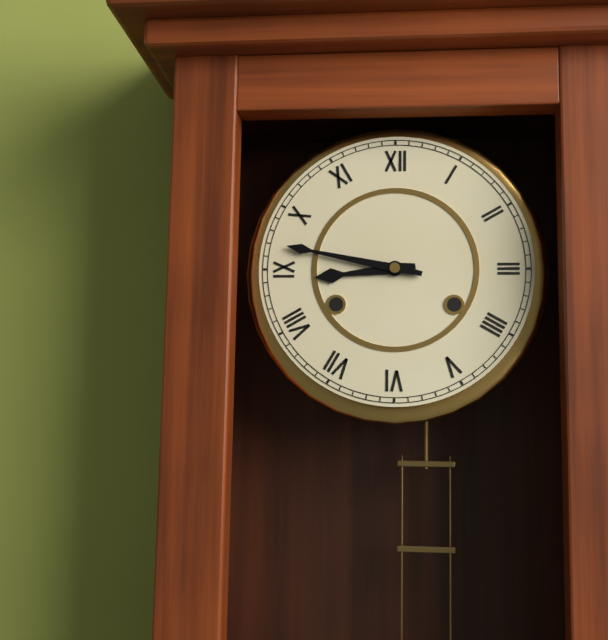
**8:47**
